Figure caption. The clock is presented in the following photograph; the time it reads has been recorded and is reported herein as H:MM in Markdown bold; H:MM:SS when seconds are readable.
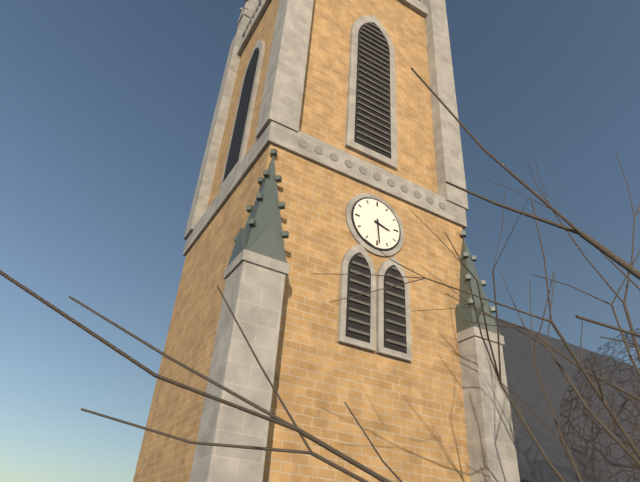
**3:29**
